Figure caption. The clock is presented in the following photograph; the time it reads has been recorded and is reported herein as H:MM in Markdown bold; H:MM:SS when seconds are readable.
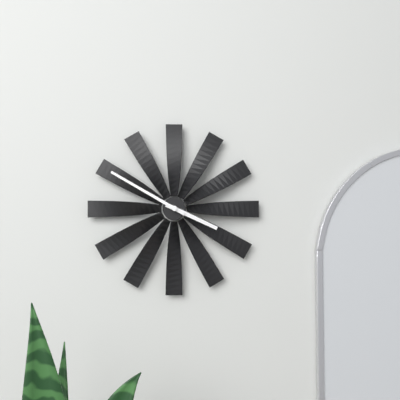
**3:50**
